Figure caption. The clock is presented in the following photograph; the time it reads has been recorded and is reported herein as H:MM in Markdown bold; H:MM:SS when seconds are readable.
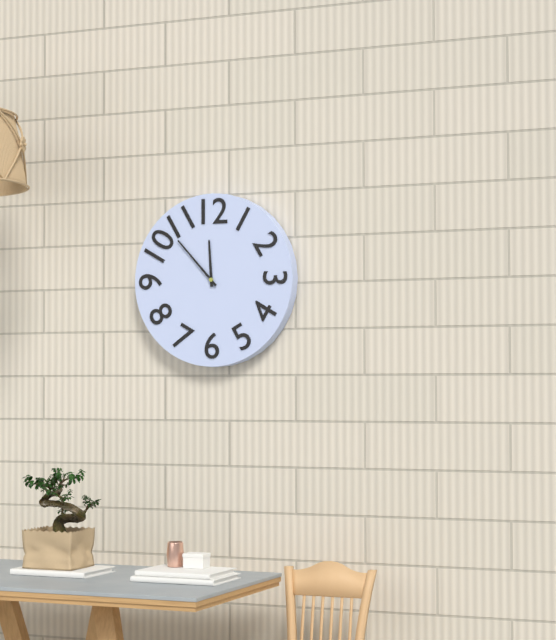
**11:53**
